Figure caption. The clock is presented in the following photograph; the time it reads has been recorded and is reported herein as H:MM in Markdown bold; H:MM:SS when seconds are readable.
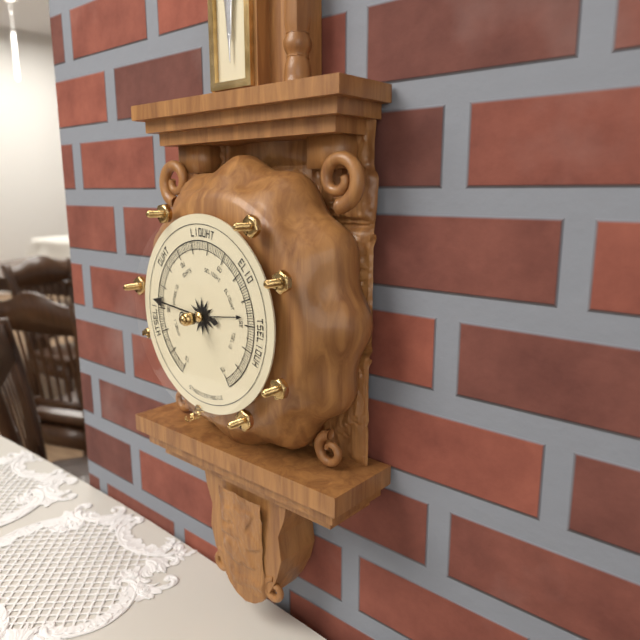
**2:46**
